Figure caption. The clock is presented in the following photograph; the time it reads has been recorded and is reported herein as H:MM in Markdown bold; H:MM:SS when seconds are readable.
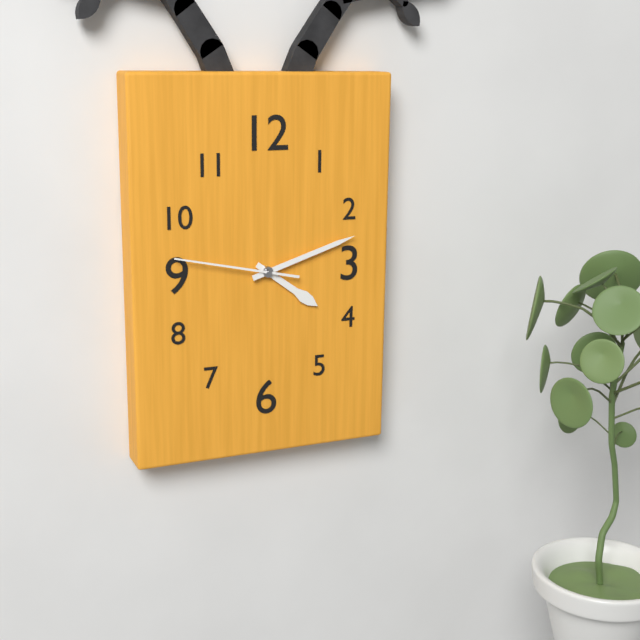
**4:12:47**
